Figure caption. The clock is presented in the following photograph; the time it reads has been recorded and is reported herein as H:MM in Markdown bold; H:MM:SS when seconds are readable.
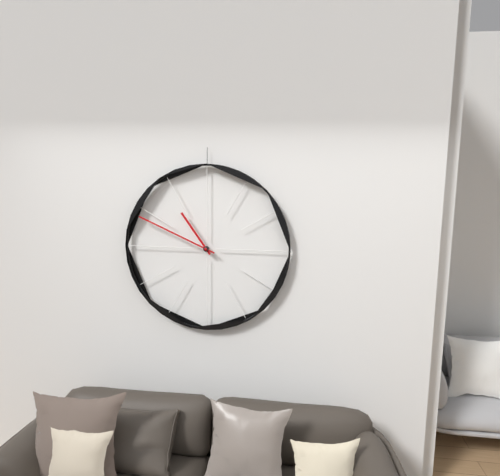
**10:49**
